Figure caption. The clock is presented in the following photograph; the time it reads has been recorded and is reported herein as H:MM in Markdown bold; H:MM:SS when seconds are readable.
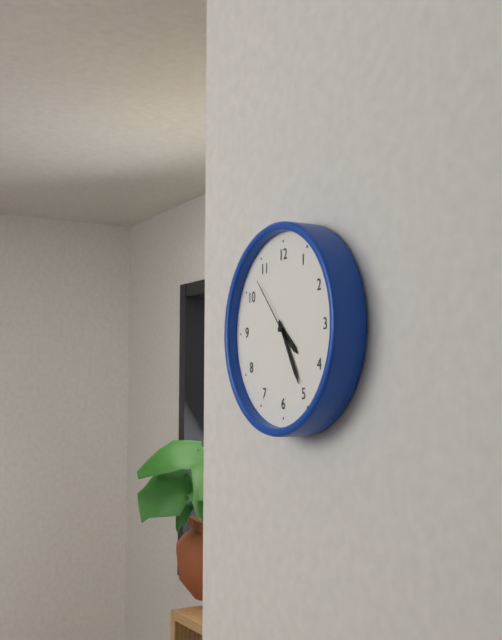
**4:25:53**
